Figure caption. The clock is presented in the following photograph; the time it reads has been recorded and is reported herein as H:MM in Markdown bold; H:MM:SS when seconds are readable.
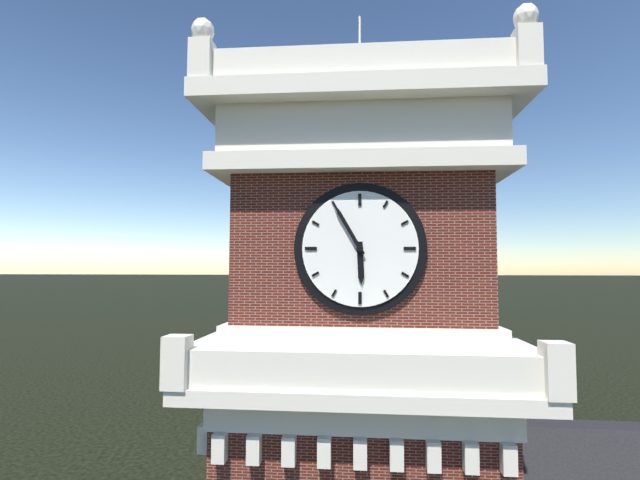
**5:55**
